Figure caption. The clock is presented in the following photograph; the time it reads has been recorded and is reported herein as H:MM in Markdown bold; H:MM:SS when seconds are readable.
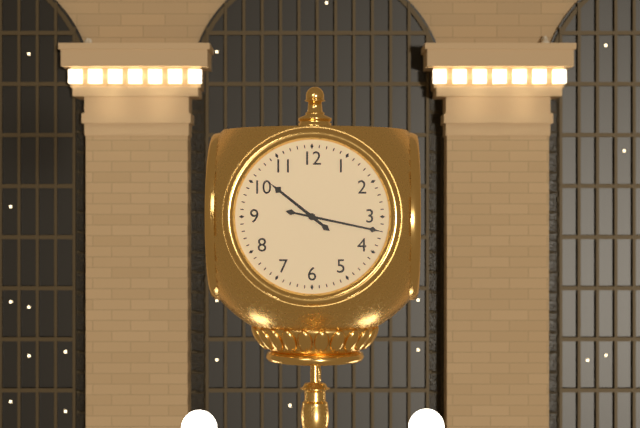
**10:17**
